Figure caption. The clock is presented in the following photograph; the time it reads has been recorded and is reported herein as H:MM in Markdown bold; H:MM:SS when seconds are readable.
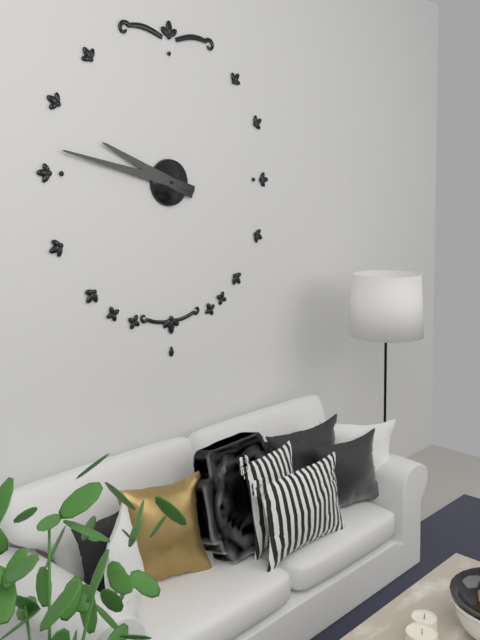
**9:47**
